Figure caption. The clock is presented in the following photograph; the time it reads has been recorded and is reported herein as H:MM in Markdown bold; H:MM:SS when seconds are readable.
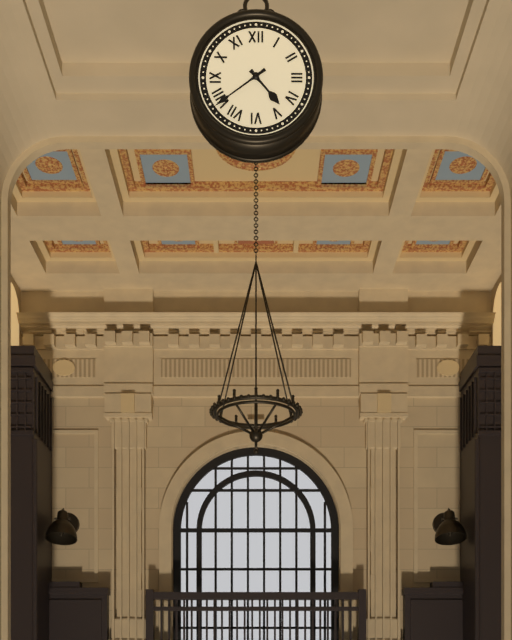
**4:39**
